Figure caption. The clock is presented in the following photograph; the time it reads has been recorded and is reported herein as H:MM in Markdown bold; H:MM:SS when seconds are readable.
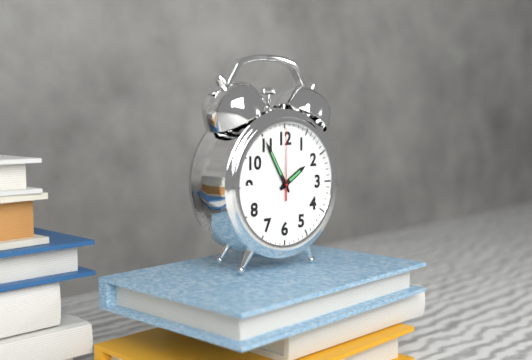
**1:55:00**
